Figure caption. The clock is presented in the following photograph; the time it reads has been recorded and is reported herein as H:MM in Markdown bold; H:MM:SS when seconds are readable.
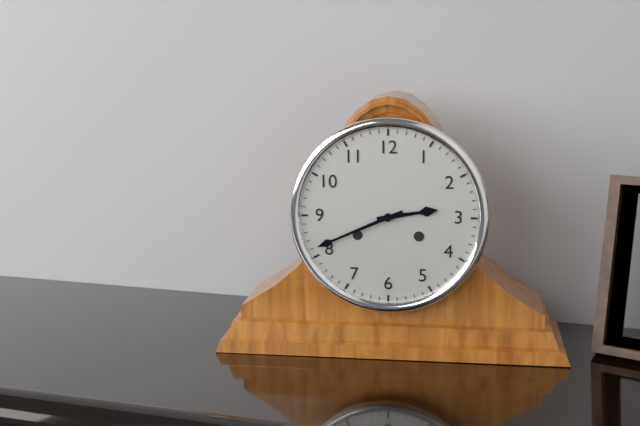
**2:41**
